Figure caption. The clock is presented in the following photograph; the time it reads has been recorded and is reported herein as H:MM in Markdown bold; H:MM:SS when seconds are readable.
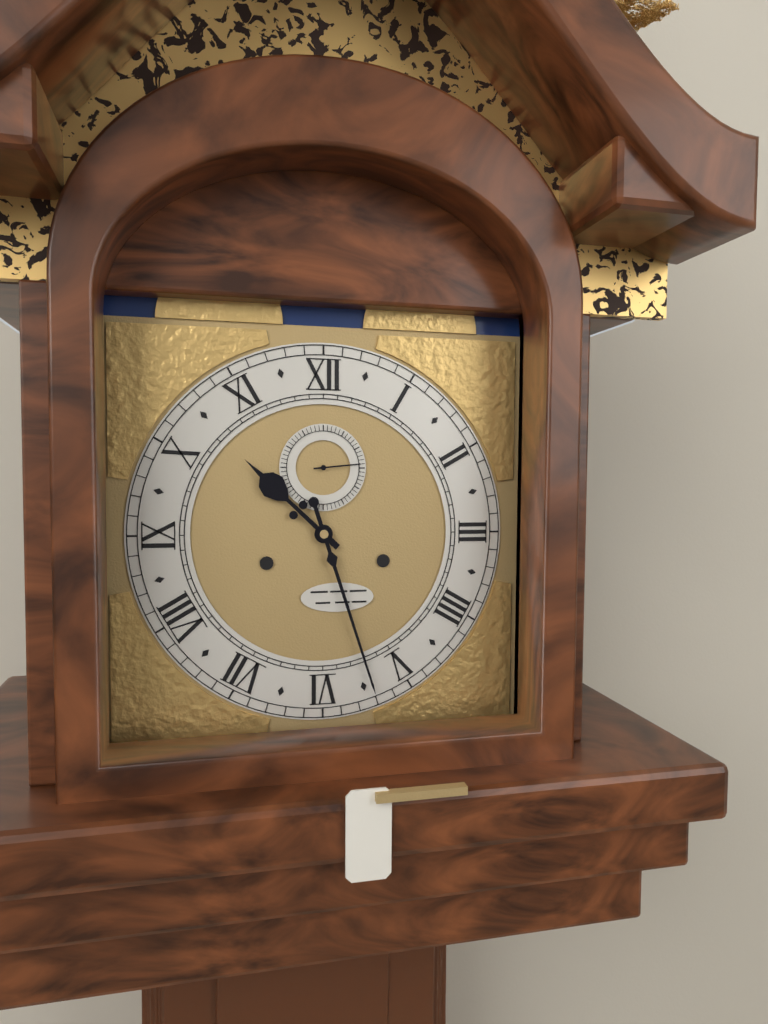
**10:27**
